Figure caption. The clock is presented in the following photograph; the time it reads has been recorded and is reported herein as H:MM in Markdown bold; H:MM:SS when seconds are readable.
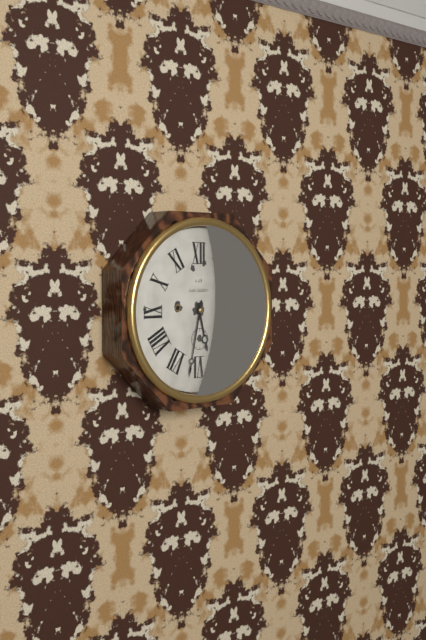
**5:32**
